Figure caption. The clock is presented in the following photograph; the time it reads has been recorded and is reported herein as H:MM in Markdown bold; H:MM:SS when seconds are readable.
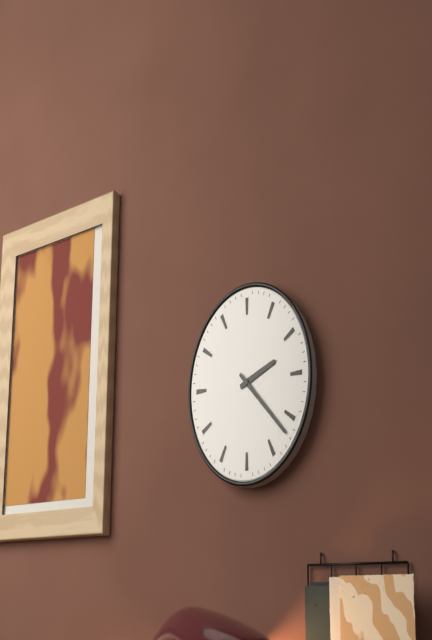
**2:22**
